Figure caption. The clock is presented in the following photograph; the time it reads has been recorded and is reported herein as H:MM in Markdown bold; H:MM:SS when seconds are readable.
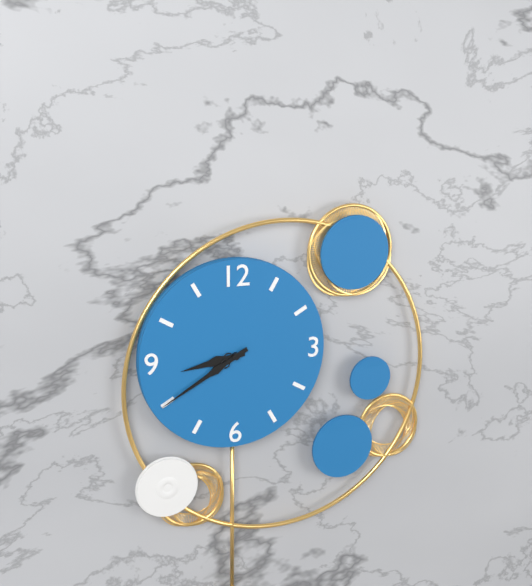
**8:40**
